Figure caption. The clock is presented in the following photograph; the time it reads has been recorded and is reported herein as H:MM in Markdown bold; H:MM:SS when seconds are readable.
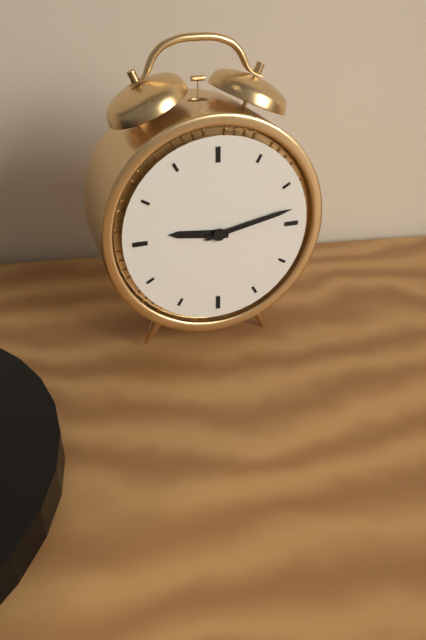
**9:13**
